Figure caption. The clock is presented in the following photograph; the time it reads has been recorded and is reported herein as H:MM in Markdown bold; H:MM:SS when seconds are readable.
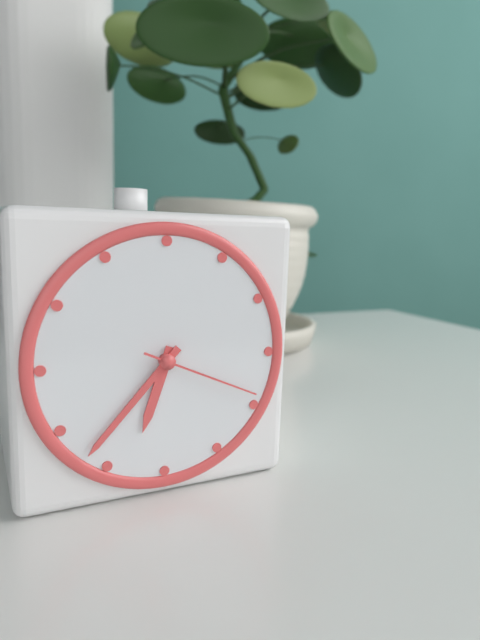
**6:37:19**
